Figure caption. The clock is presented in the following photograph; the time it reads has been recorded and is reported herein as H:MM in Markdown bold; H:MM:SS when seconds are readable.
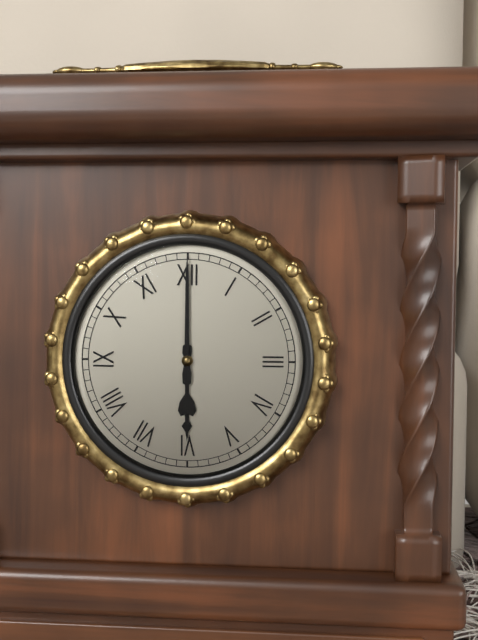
**6:00**
